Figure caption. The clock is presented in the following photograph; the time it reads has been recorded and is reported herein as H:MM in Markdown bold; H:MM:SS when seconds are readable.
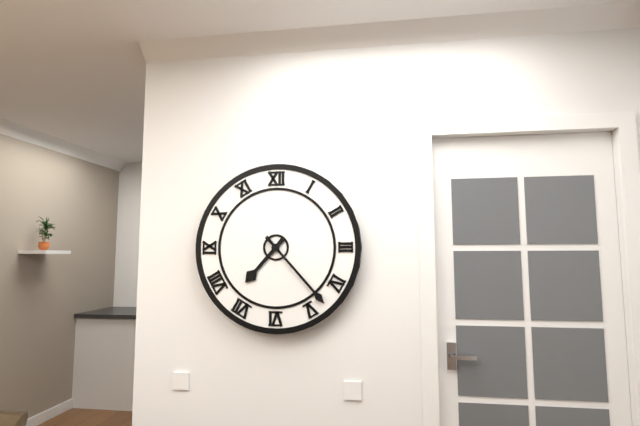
**7:23**
